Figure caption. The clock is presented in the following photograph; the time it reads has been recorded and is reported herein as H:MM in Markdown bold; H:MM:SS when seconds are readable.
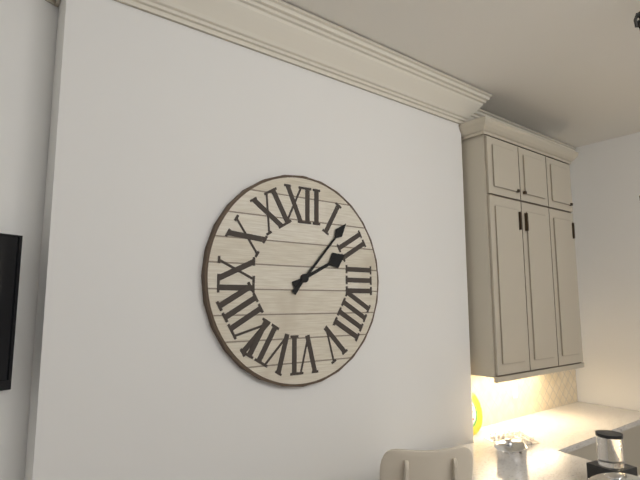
**2:07**
